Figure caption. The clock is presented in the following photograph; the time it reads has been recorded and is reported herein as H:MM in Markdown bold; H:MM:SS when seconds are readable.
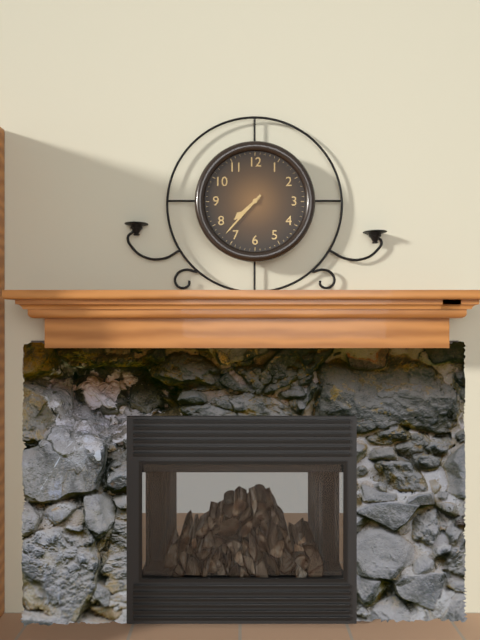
**7:37**
